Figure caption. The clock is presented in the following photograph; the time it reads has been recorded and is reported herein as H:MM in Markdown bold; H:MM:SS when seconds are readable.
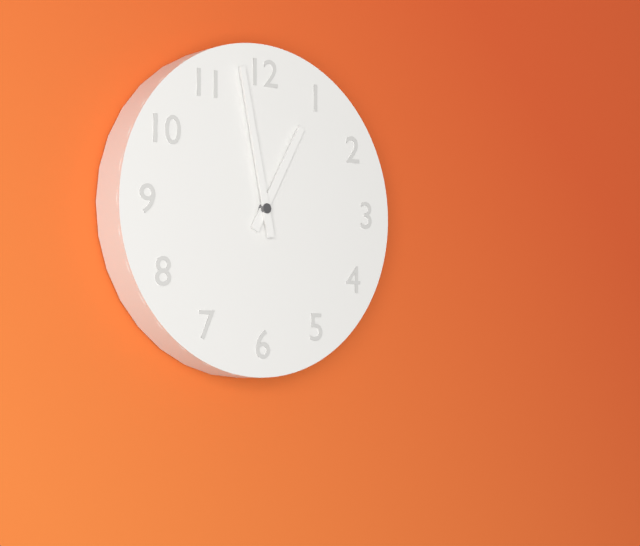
**12:58**
